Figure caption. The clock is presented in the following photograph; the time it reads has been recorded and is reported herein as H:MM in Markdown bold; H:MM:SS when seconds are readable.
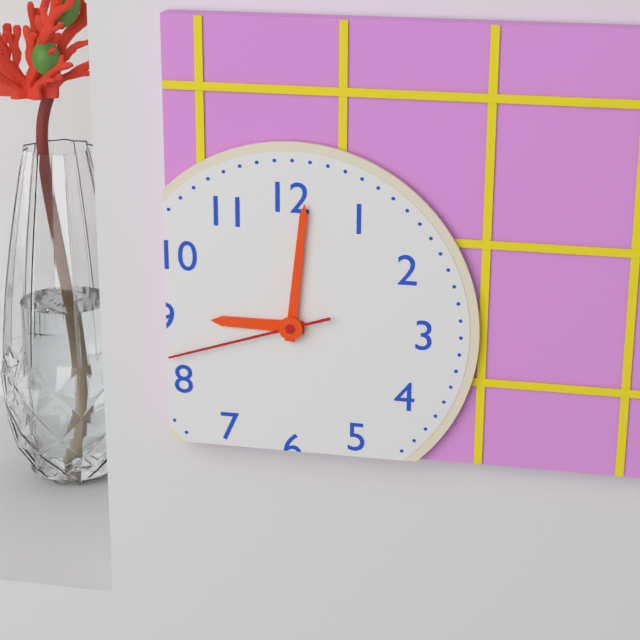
**9:01:42**
